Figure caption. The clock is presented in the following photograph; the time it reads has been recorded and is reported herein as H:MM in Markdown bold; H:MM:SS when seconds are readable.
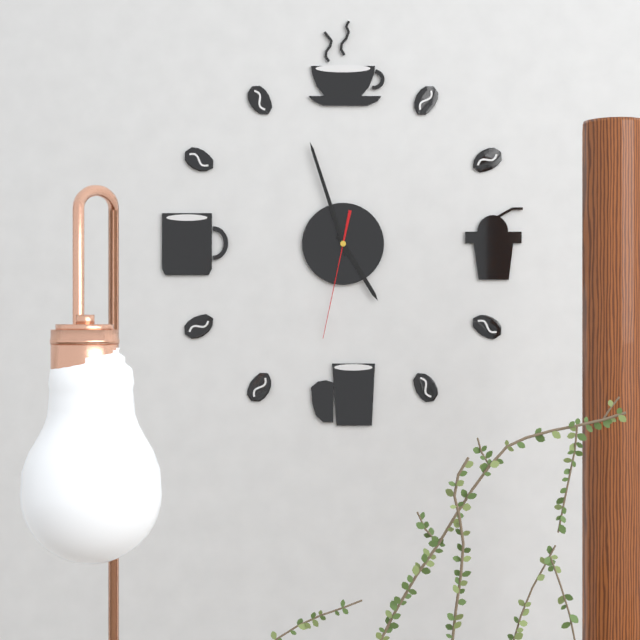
**4:57:32**
